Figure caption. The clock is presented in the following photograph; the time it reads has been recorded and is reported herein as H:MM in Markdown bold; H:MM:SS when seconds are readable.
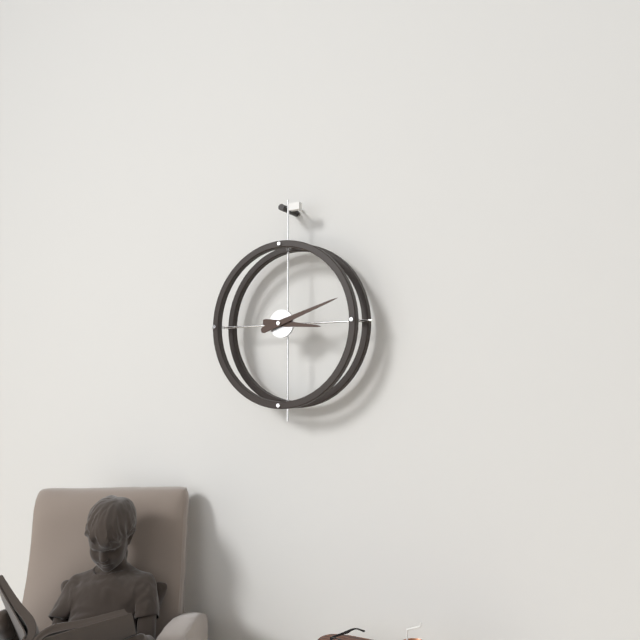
**3:12**
